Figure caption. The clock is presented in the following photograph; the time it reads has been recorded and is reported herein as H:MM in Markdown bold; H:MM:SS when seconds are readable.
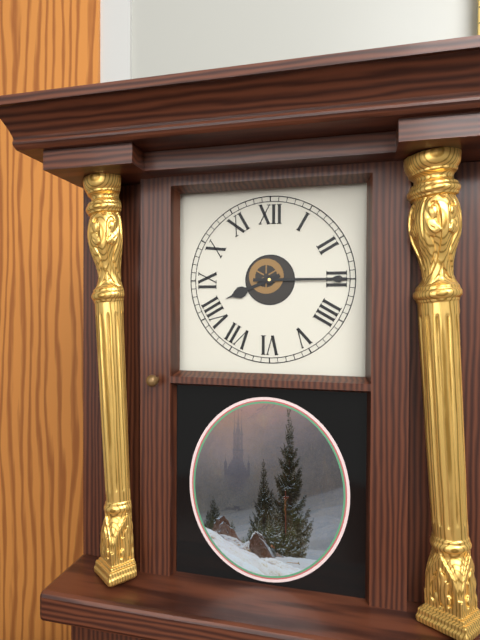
**8:15**
